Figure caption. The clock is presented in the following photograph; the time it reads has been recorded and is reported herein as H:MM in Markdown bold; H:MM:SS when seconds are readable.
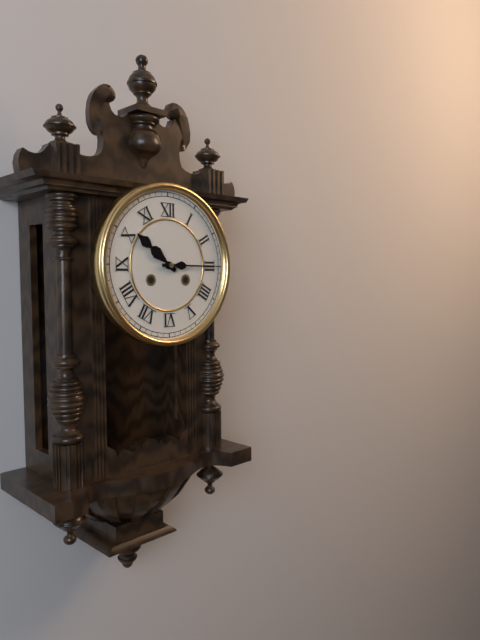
**10:15**
